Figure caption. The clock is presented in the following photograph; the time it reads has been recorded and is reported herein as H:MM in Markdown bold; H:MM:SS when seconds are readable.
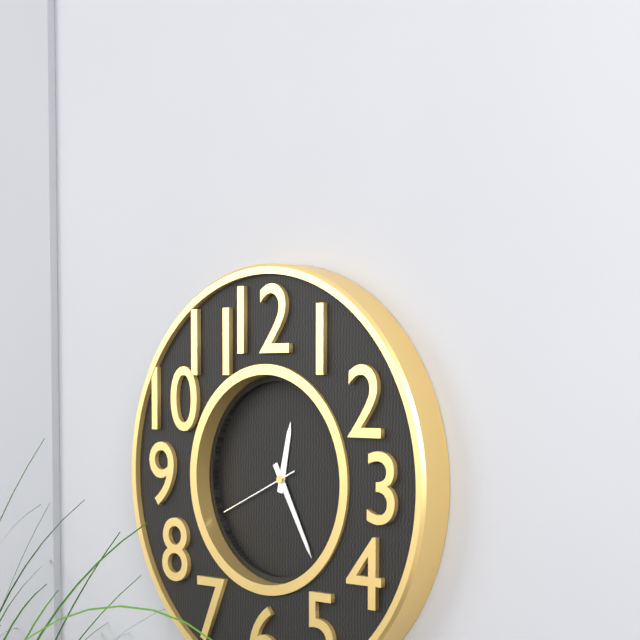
**12:25:41**
